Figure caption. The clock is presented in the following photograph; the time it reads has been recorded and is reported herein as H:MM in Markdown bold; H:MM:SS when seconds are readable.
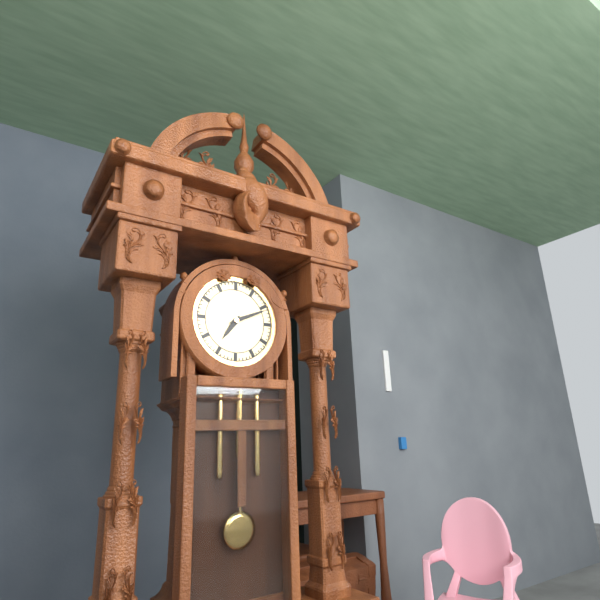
**7:11**
